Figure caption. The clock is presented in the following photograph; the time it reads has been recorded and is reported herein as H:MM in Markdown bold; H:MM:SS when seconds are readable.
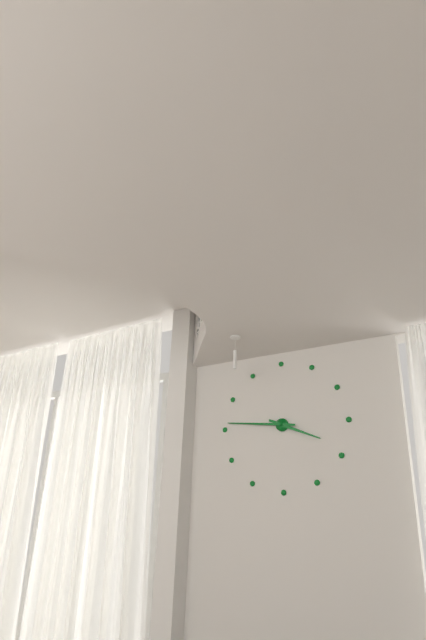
**3:46**
